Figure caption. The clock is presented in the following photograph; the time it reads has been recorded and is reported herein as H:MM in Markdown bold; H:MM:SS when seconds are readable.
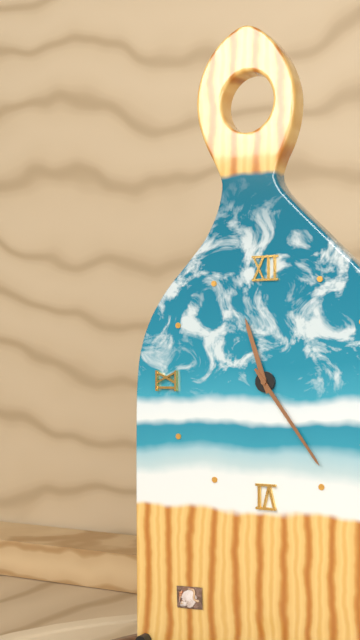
**11:24**
